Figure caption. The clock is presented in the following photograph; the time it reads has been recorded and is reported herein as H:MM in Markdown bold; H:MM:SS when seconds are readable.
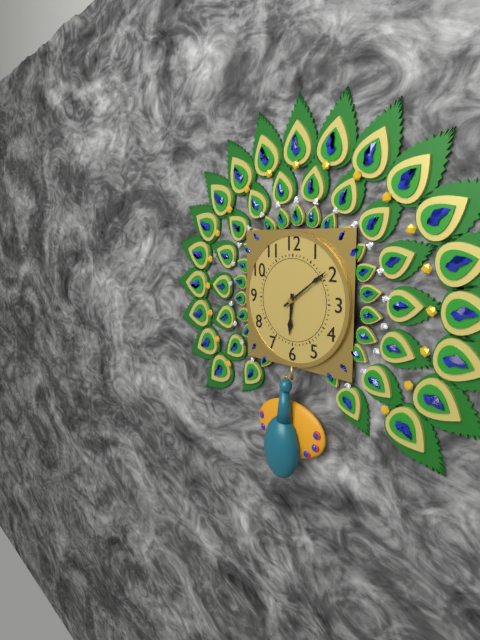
**6:09**
